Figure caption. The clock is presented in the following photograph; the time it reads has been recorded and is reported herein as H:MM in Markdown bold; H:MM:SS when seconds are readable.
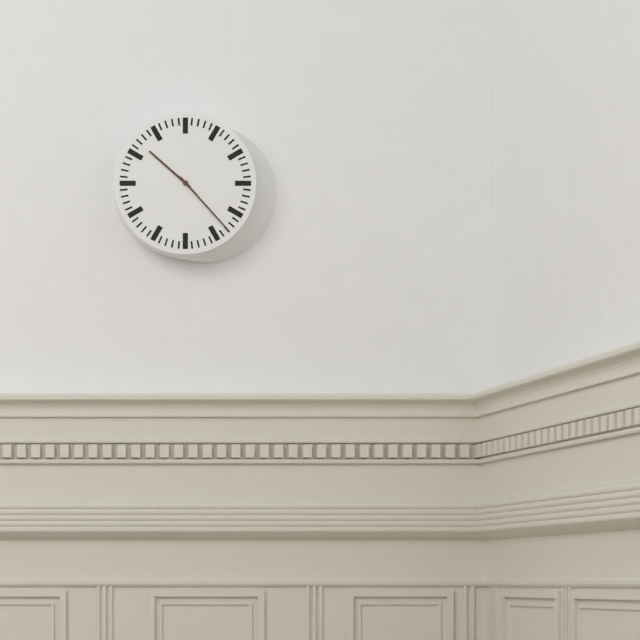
**10:23**
